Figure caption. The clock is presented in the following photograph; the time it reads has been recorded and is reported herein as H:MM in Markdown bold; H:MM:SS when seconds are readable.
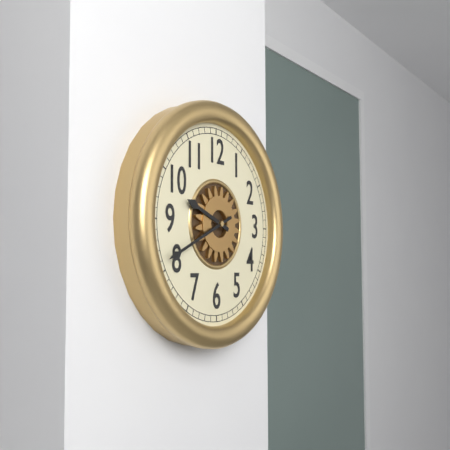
**9:41**
